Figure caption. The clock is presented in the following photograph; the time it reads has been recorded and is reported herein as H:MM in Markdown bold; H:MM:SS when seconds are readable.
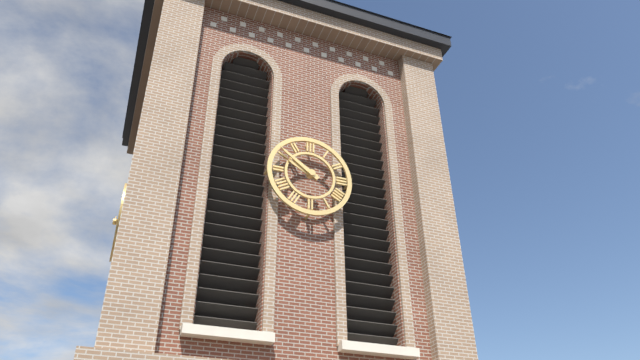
**9:51**
